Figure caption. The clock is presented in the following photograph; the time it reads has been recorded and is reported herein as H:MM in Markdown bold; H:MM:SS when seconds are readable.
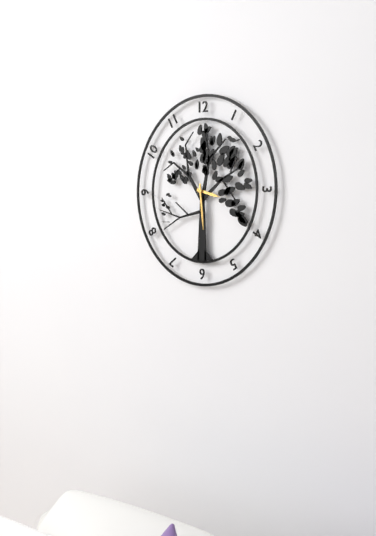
**3:29**
